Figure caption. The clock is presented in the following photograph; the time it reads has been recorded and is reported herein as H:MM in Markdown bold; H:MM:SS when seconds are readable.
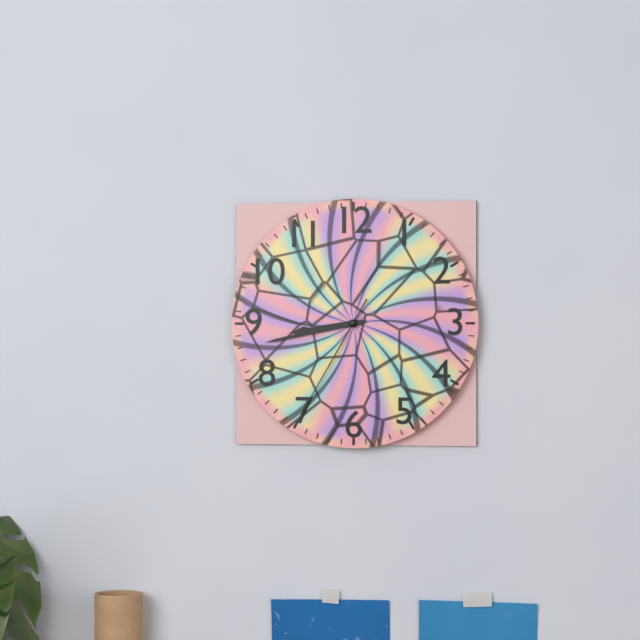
**8:43:35**
